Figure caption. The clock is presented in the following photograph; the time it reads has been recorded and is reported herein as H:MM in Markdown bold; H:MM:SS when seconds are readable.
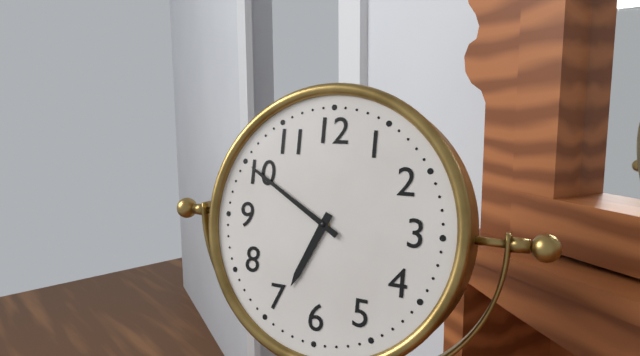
**6:50**
